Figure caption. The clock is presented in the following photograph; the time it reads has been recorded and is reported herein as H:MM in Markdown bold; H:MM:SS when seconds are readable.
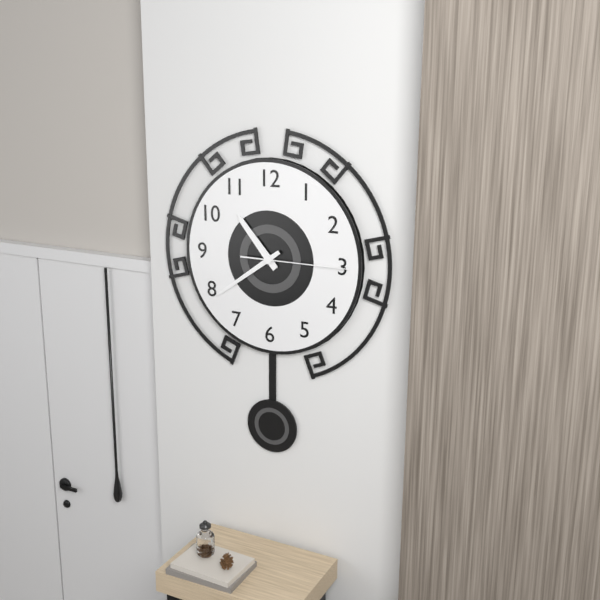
**10:39:15**
